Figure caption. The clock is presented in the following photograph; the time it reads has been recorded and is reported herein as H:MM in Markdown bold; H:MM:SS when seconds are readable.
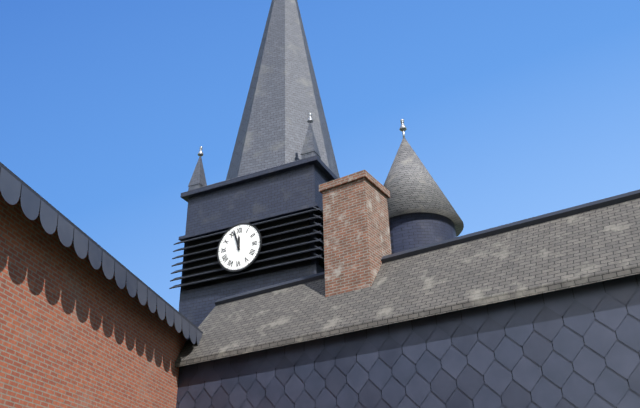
**11:57**
